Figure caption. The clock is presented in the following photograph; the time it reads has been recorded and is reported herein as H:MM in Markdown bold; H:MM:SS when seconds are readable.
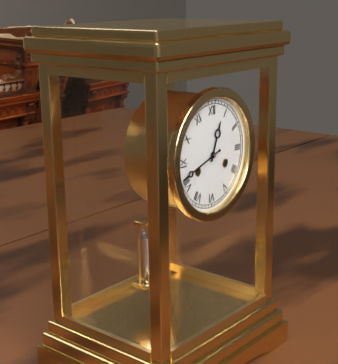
**12:42**
